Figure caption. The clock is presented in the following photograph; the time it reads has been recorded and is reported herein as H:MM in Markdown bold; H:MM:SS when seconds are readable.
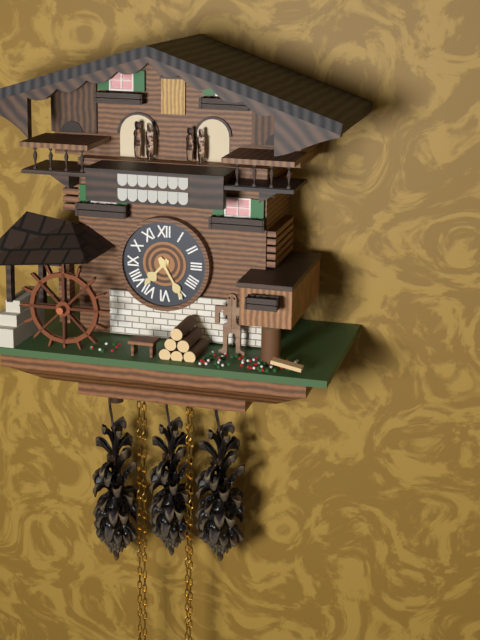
**7:25**
